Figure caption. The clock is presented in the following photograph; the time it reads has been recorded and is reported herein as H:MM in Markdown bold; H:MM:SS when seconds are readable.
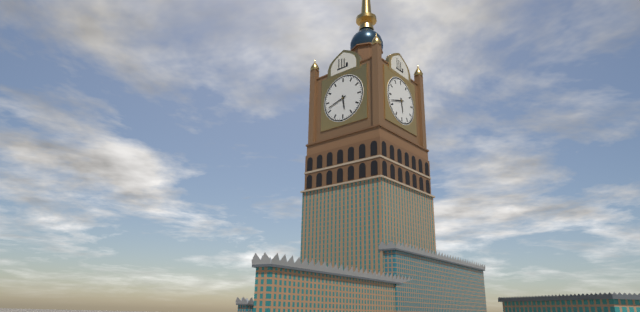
**5:42**
